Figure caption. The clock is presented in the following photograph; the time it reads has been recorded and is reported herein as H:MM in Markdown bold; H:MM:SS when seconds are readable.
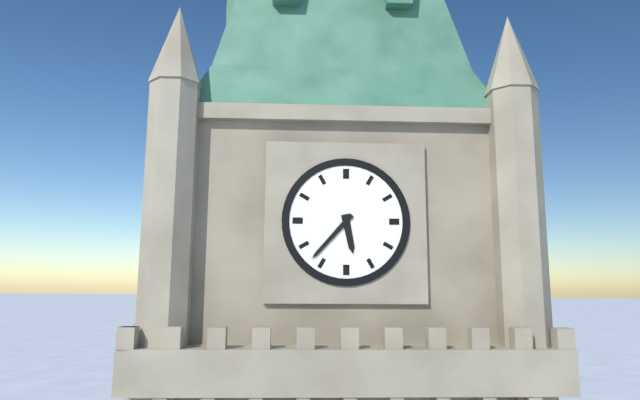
**5:37**
